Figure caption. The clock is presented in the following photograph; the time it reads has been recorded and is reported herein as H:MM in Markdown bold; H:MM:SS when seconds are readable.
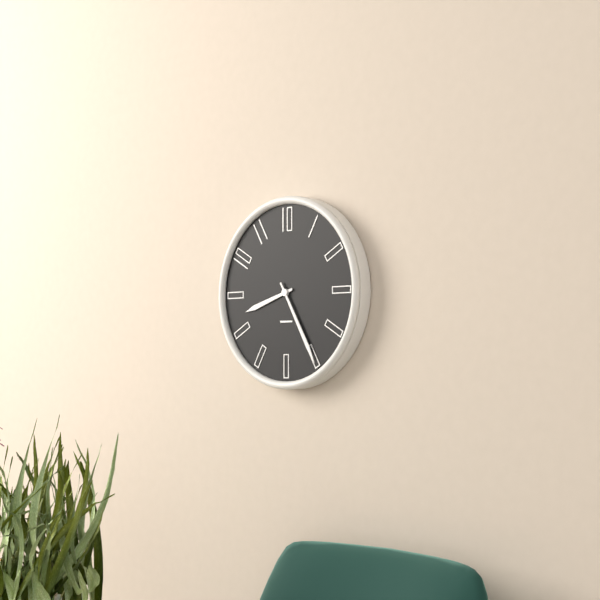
**8:25**
